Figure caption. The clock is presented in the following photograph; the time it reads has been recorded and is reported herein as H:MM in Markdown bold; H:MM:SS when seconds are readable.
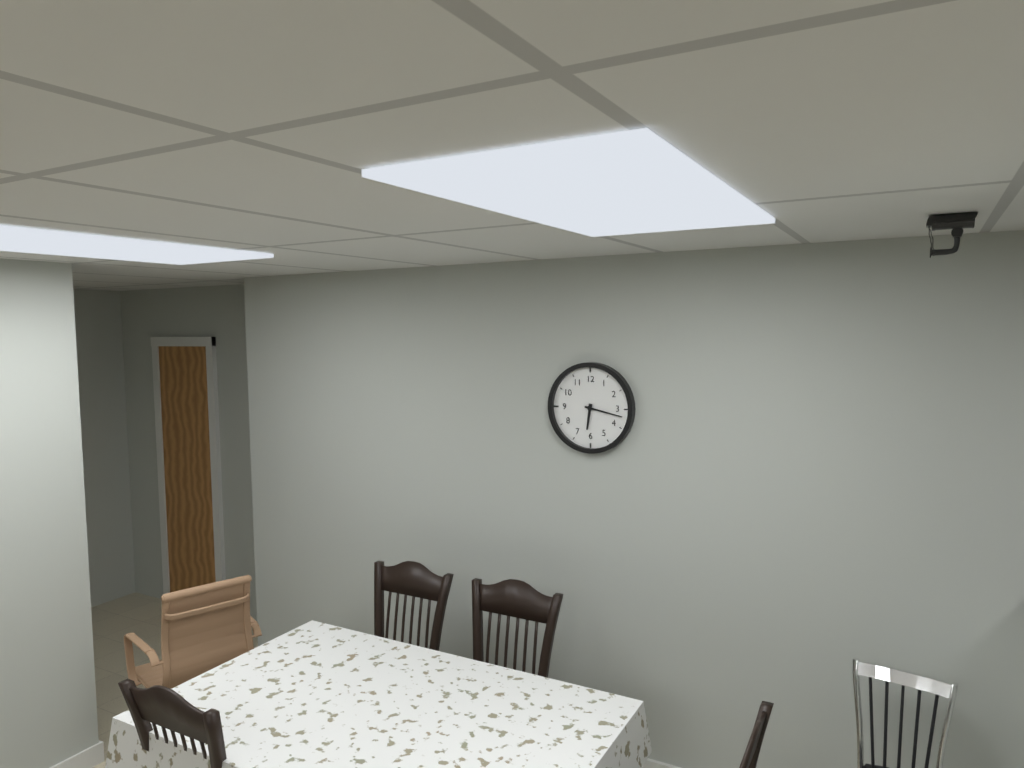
**6:17**
